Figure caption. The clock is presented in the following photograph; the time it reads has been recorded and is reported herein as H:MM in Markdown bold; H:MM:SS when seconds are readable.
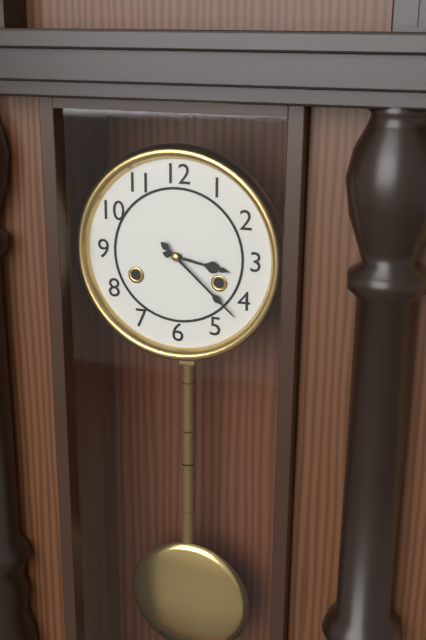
**3:22**
